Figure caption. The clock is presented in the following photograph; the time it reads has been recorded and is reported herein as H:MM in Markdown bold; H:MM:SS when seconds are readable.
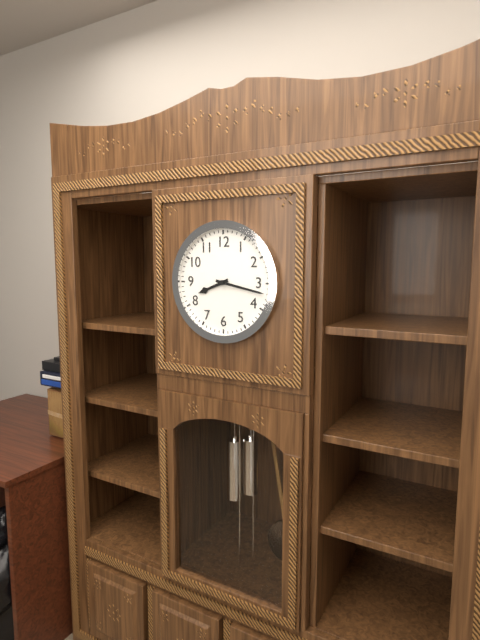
**8:17**
